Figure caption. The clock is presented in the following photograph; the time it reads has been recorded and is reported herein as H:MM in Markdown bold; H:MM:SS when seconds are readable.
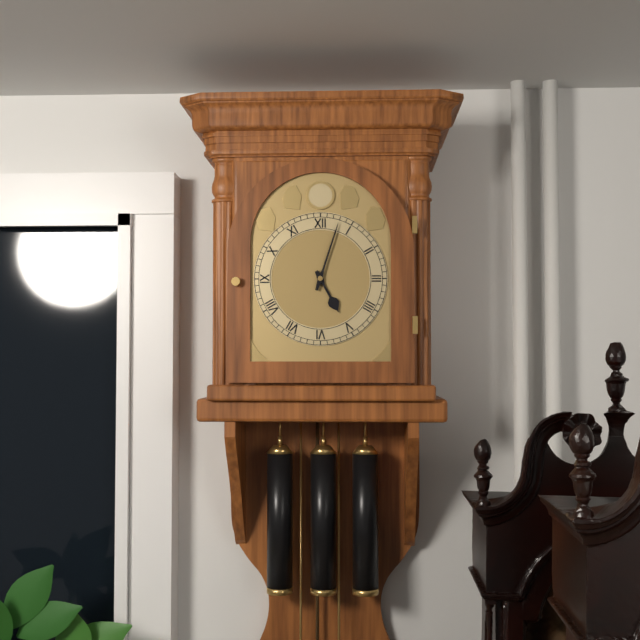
**5:03**
